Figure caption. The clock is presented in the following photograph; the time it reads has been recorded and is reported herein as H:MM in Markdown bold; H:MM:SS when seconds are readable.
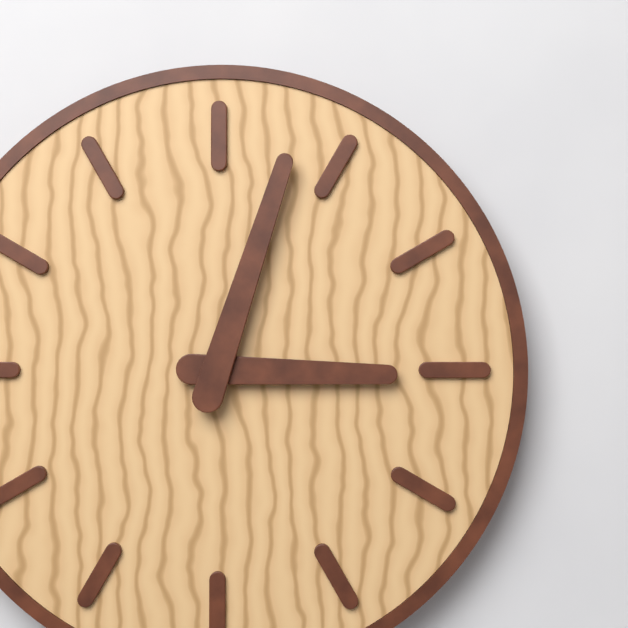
**3:03**
